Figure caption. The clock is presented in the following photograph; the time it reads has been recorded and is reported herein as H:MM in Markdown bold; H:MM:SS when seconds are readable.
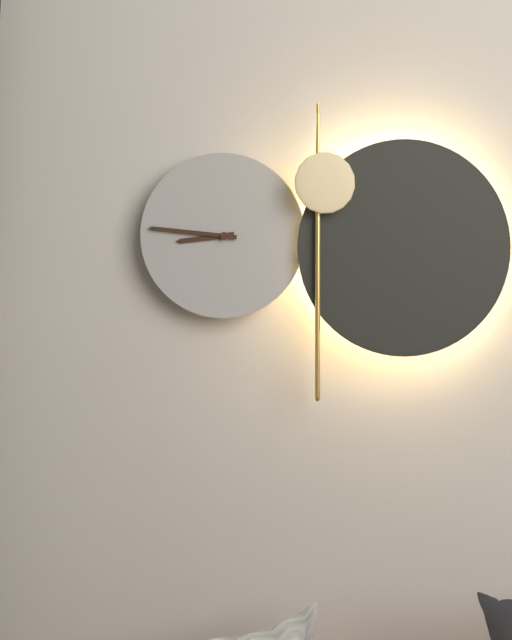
**8:46**
